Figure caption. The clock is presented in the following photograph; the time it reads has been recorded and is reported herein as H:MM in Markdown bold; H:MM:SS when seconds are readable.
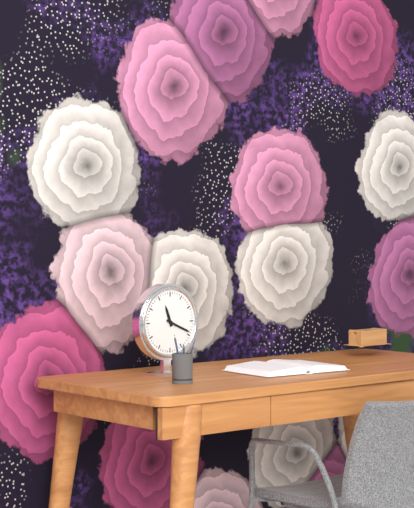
**11:19**
